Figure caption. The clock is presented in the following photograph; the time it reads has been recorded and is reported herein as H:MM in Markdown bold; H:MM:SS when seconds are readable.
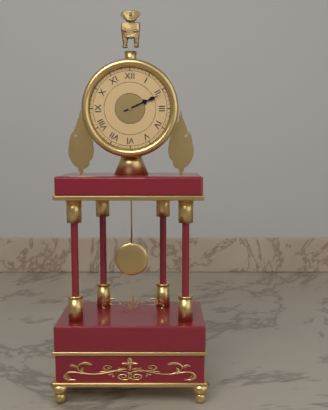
**2:11**
